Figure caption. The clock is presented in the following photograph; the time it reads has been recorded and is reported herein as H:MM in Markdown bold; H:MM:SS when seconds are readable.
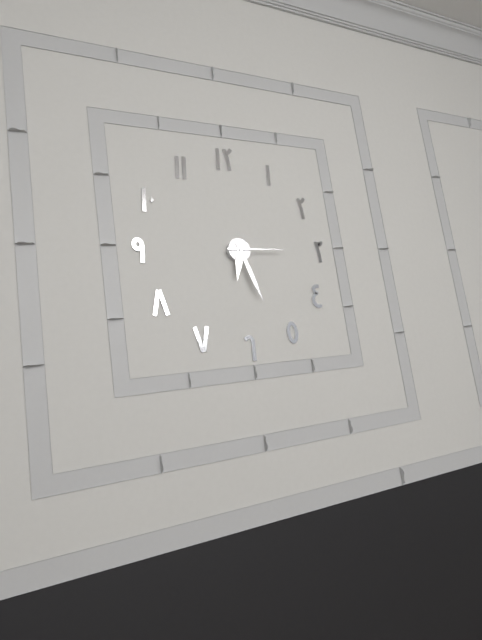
**6:27:15**
